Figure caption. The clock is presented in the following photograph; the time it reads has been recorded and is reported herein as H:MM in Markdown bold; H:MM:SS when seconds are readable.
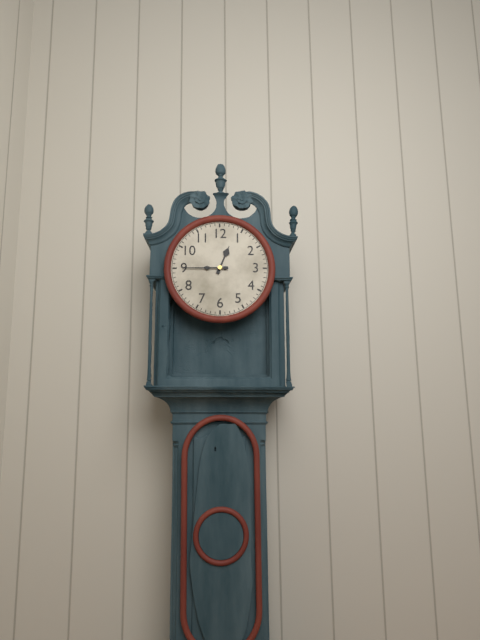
**12:45**
